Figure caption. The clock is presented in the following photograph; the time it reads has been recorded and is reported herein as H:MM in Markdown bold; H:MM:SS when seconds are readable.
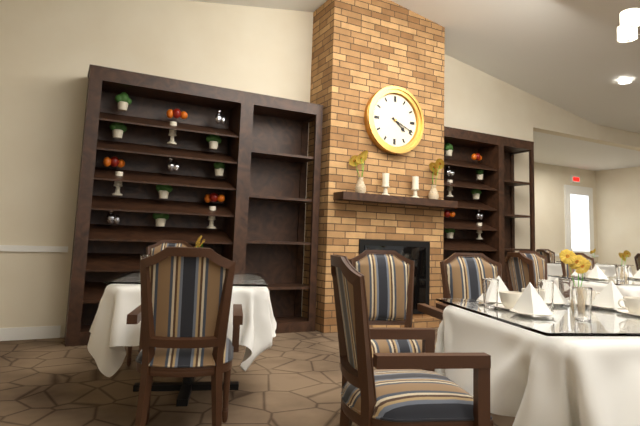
**4:19**
